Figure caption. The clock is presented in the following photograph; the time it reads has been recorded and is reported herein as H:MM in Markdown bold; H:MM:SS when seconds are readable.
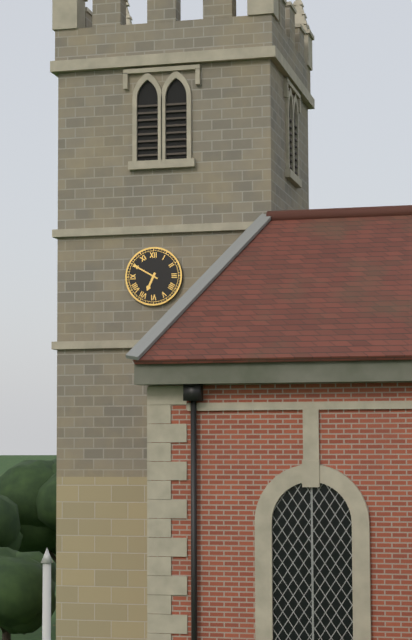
**6:50**
